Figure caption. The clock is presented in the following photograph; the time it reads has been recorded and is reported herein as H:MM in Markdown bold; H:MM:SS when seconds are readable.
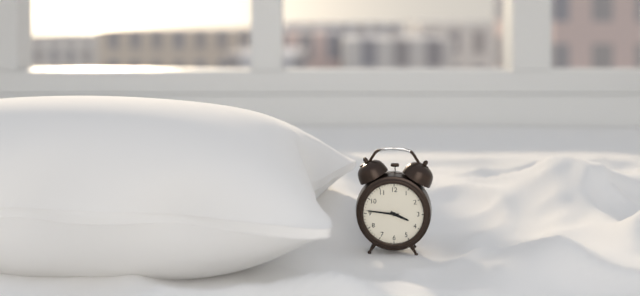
**3:46**
